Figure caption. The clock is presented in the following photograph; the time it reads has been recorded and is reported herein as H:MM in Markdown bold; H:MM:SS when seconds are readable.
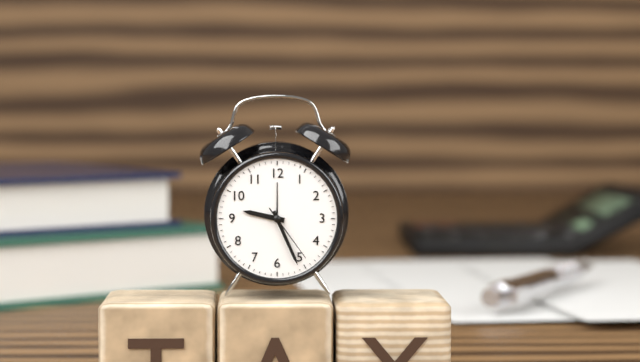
**9:26:24**
